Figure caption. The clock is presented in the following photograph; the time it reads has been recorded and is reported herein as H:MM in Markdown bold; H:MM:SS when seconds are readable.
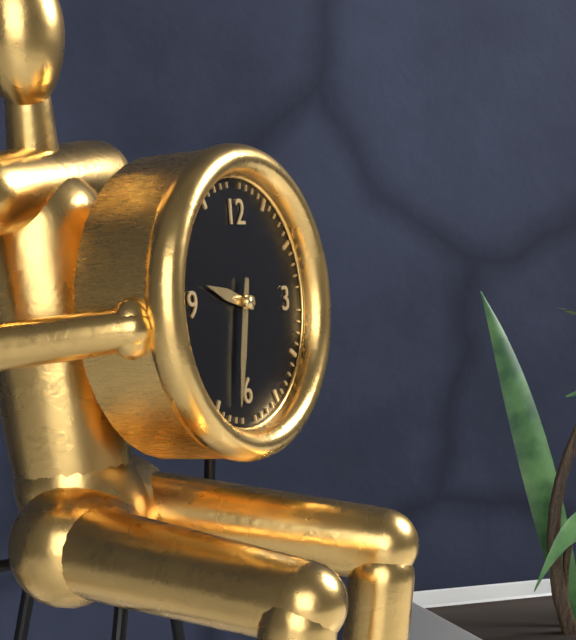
**9:32**
